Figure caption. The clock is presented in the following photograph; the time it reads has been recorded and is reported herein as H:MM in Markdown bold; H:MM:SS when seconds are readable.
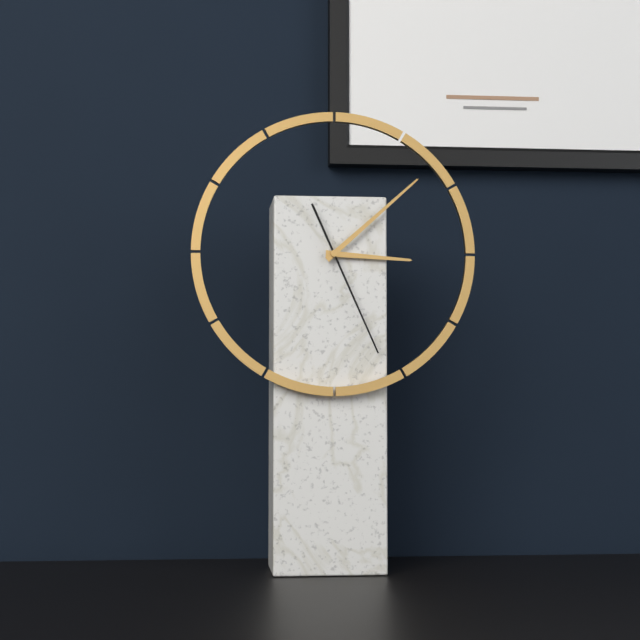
**3:08:26**
